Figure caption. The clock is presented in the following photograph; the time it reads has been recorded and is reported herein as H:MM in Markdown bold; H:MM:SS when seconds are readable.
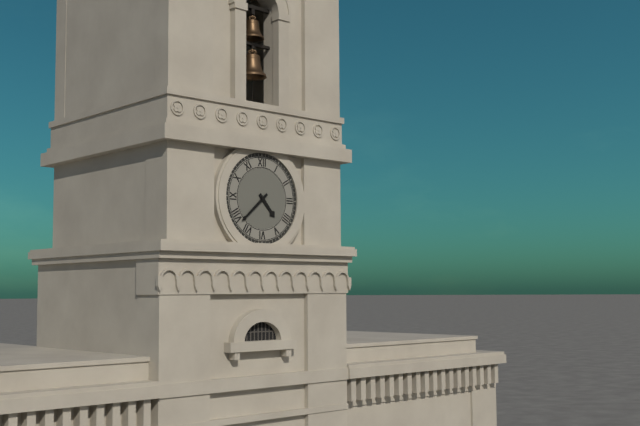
**4:38**
